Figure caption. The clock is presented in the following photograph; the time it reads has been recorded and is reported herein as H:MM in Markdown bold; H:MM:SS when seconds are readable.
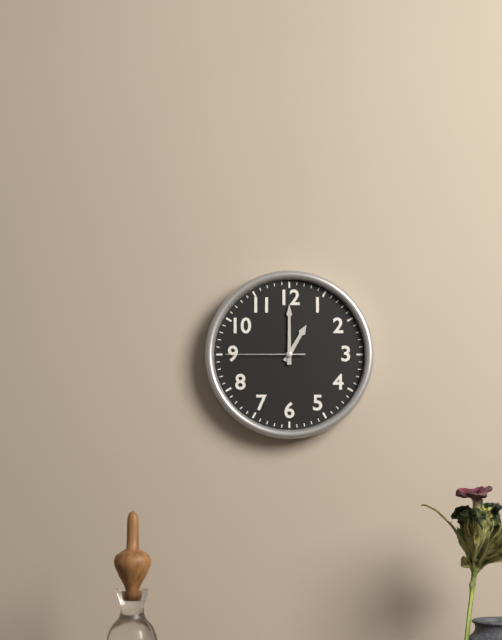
**1:00:45**
